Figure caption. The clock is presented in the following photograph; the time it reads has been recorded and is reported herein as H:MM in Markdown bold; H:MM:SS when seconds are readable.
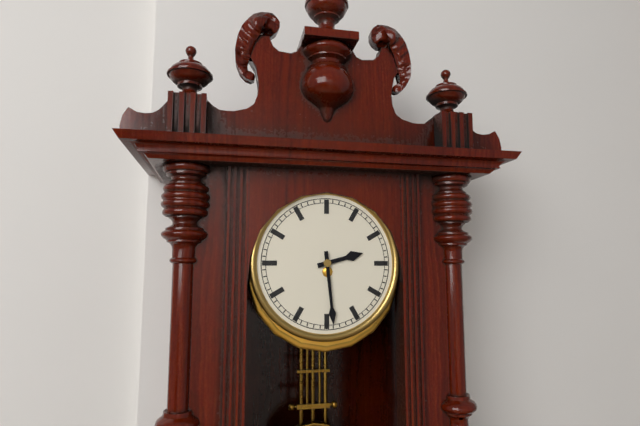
**2:29**
